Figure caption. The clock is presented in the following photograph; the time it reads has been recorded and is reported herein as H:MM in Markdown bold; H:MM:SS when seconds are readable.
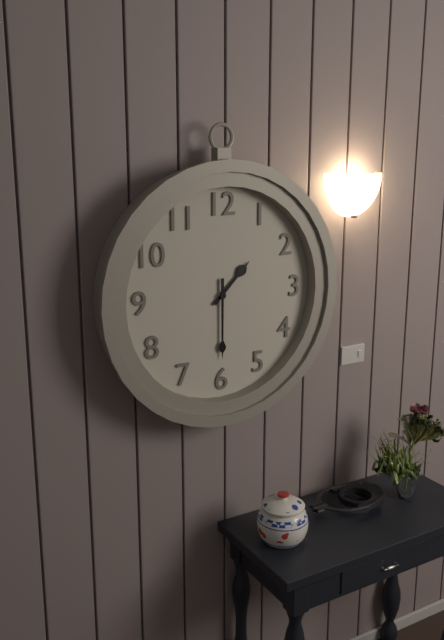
**1:30**
